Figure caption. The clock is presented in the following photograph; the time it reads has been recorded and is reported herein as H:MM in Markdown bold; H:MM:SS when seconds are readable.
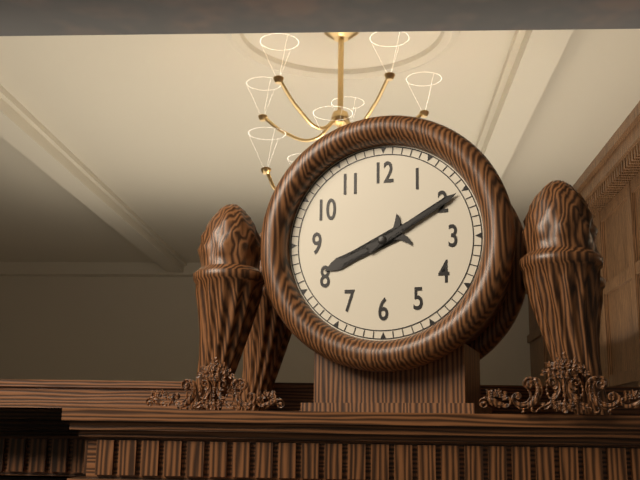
**8:10**
